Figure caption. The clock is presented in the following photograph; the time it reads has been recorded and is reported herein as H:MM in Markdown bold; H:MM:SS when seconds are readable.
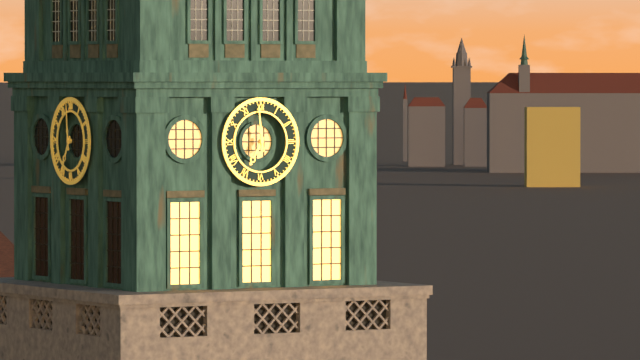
**6:59**
